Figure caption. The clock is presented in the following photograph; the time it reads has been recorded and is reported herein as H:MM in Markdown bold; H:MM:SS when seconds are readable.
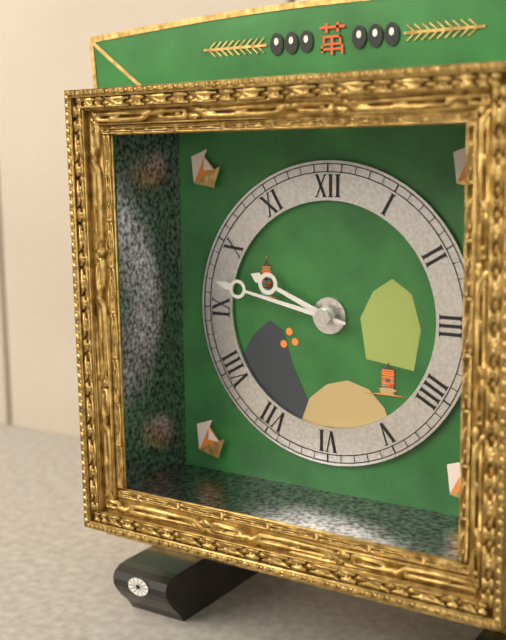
**9:47**
